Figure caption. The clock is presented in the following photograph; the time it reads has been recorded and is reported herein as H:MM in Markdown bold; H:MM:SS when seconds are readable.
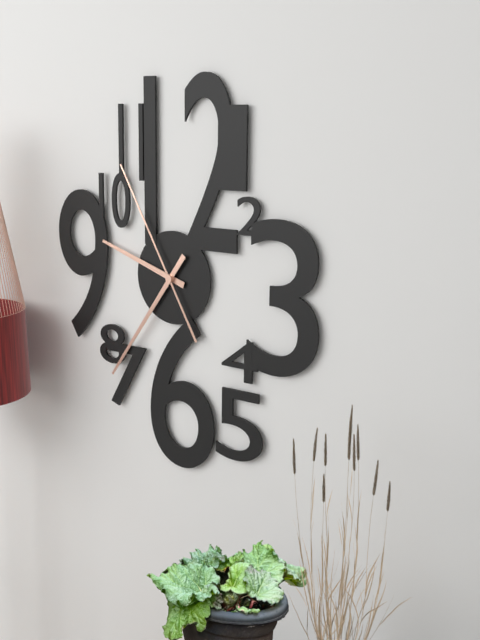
**9:36:55**
